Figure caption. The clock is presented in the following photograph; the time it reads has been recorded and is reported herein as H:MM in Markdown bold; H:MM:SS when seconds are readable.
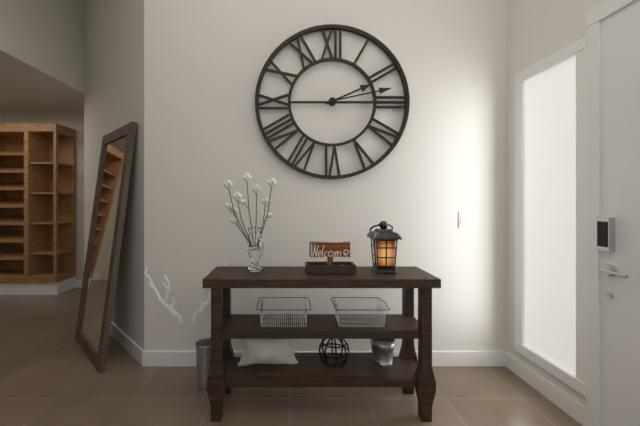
**2:13**
